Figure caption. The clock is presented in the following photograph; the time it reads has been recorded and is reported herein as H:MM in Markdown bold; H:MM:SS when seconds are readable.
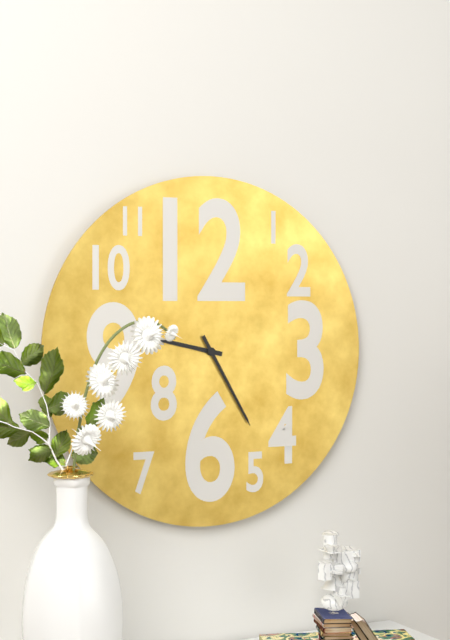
**9:25**
